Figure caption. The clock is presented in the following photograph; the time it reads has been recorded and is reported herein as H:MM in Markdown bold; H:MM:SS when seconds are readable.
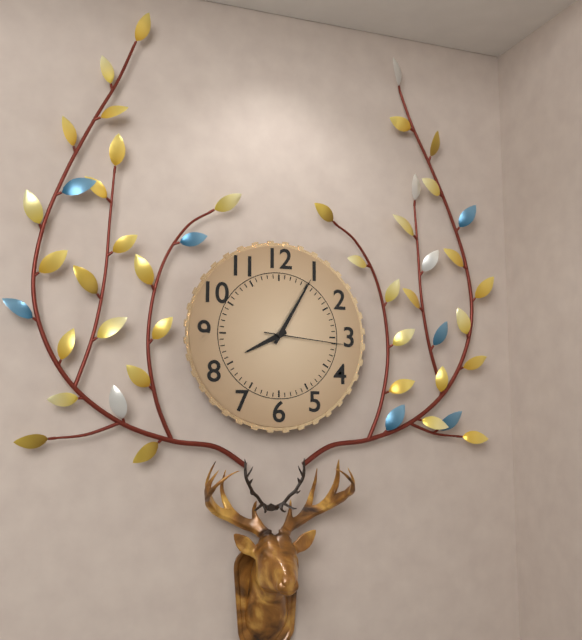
**8:05:16**
